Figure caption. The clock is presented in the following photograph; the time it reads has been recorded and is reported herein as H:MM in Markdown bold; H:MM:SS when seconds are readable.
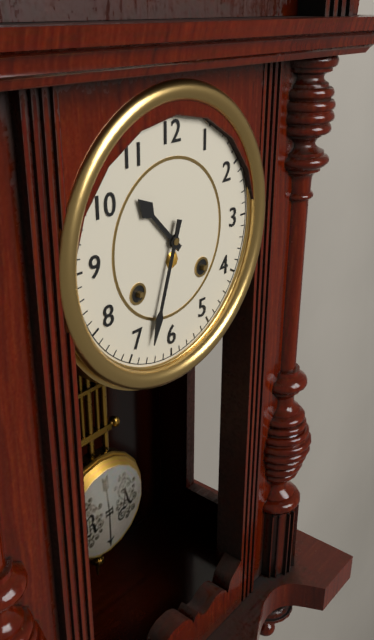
**10:33**
